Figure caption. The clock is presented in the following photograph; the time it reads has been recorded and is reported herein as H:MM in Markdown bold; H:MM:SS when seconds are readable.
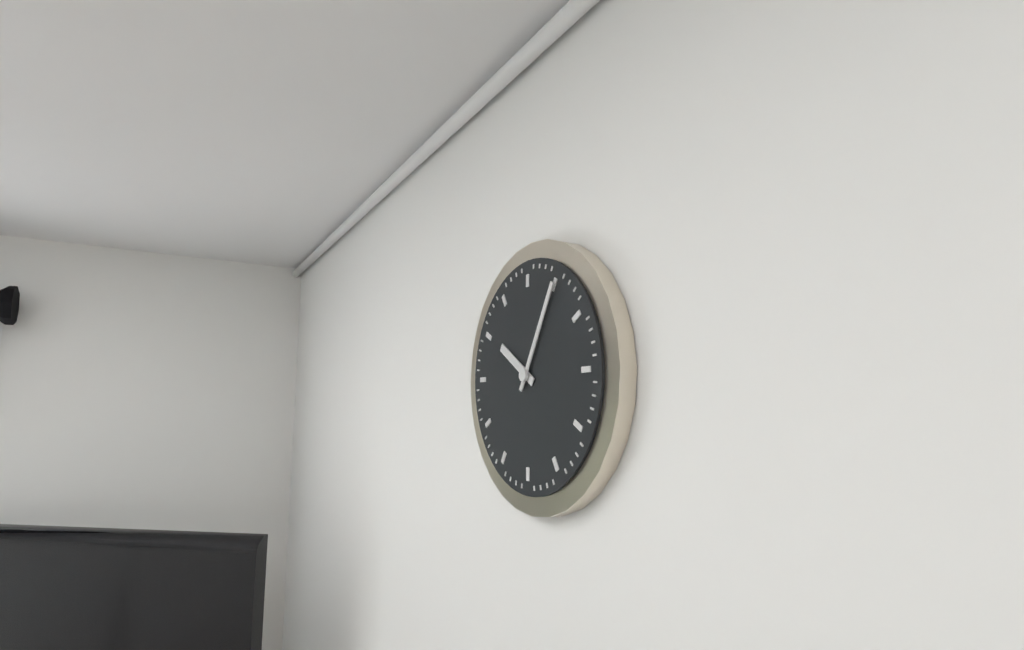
**10:05**
